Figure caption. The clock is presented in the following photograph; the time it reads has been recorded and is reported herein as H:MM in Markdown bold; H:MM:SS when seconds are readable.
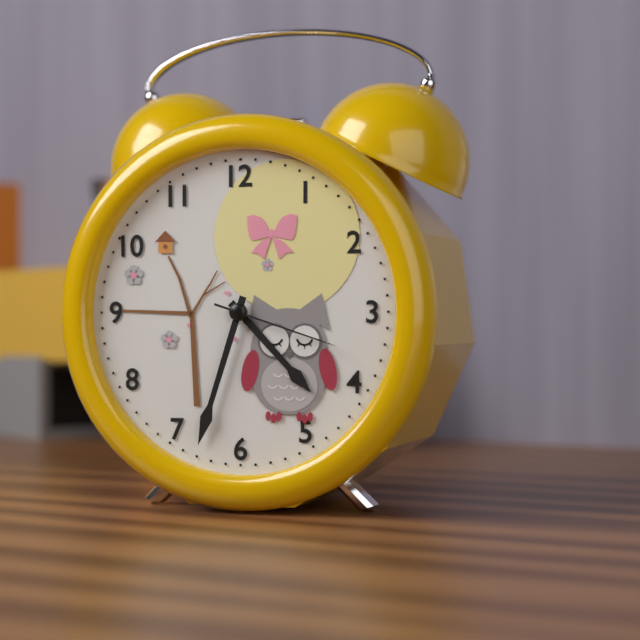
**4:33:18**
